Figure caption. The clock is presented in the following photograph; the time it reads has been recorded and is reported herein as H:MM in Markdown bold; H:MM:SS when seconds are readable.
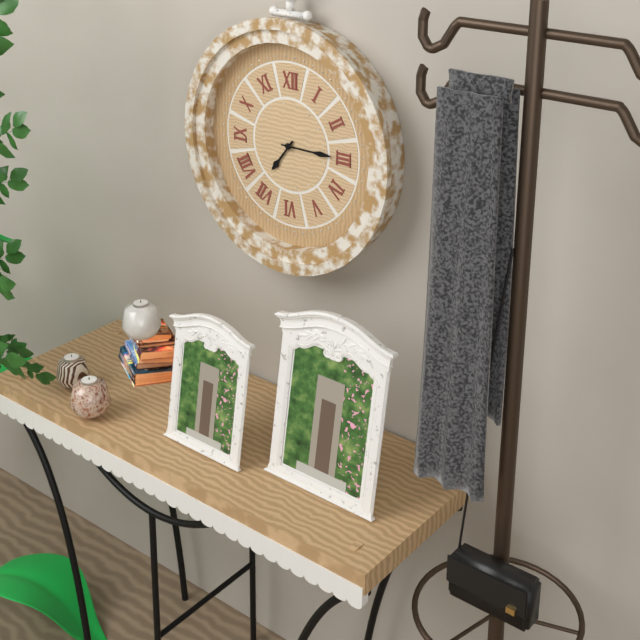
**7:15**
